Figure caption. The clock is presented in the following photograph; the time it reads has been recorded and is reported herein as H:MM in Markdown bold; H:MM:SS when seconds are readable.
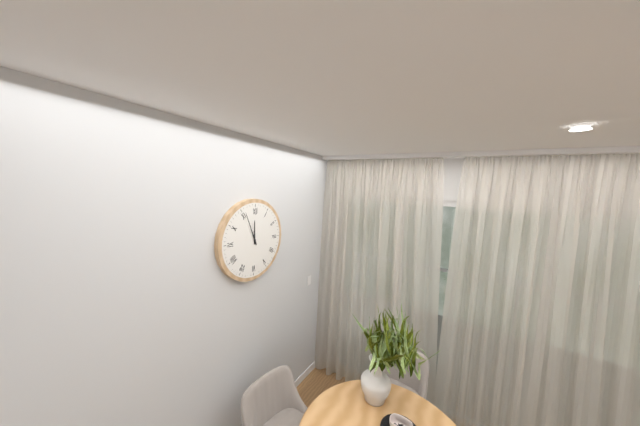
**11:56**
